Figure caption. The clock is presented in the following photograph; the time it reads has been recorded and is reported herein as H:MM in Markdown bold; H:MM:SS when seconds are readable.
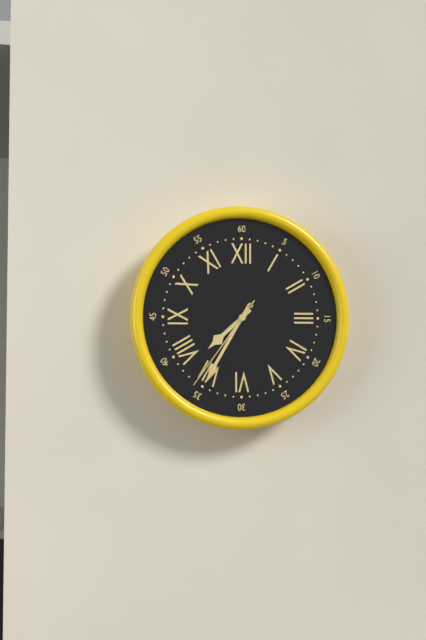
**7:35:36**
